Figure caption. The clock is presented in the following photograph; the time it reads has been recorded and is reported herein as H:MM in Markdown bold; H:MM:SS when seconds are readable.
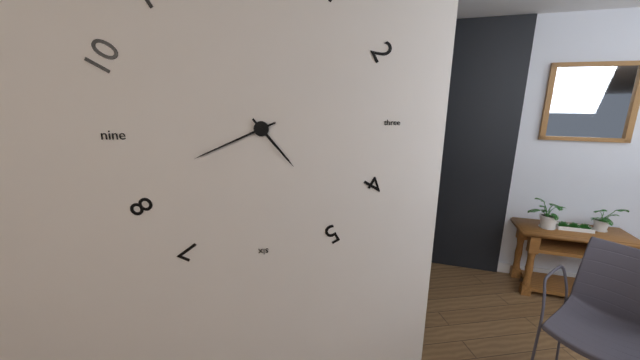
**4:41**
